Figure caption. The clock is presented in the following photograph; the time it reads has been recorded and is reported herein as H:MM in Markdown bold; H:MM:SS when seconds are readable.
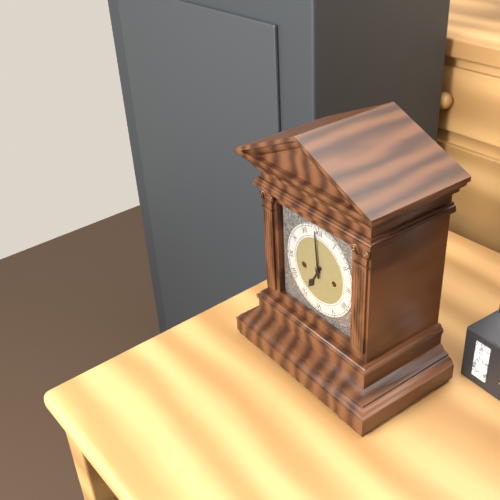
**6:59**
